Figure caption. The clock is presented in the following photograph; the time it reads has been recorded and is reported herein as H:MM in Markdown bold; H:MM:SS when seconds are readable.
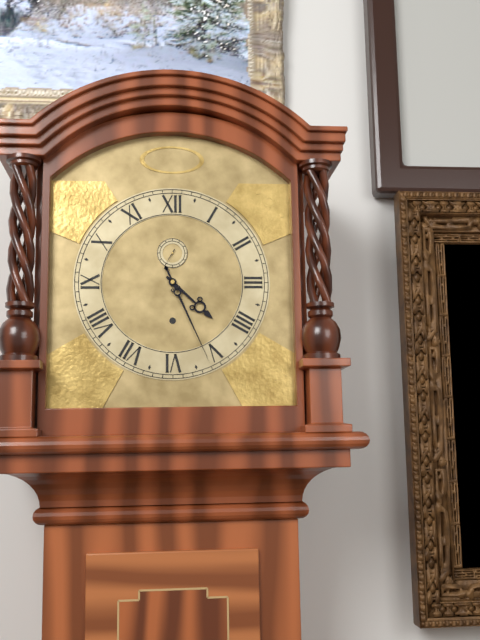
**4:26**
